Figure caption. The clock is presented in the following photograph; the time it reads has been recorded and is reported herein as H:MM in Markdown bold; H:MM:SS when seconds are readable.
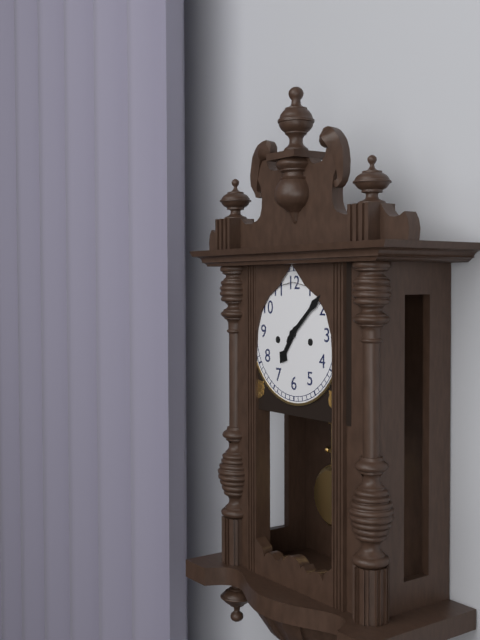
**7:08**
